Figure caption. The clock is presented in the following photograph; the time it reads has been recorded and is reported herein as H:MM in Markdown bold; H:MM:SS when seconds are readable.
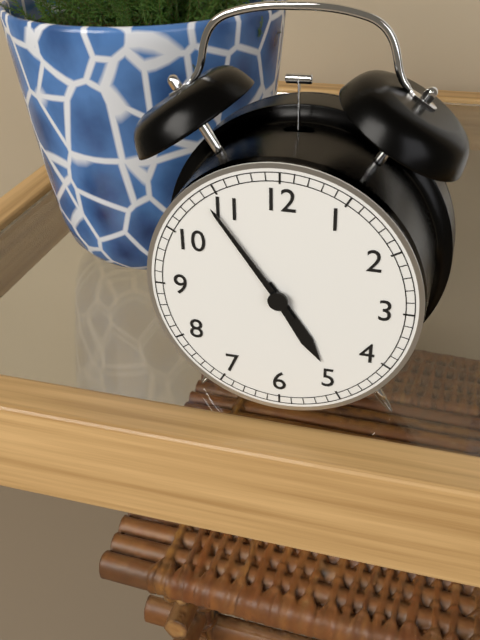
**4:54**
